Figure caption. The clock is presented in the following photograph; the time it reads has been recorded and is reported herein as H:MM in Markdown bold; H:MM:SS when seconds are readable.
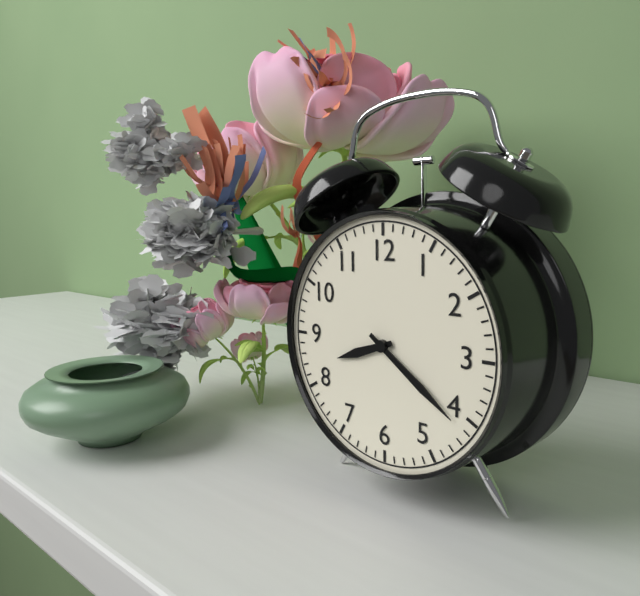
**8:21**
